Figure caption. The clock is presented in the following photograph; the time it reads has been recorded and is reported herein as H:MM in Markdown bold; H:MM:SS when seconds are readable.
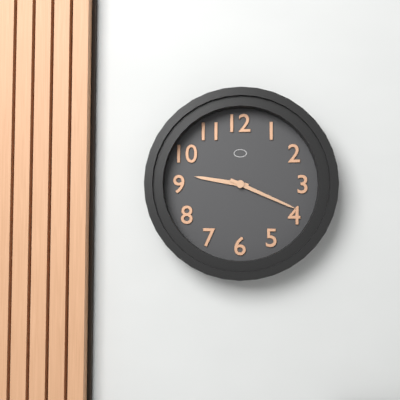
**9:19**
